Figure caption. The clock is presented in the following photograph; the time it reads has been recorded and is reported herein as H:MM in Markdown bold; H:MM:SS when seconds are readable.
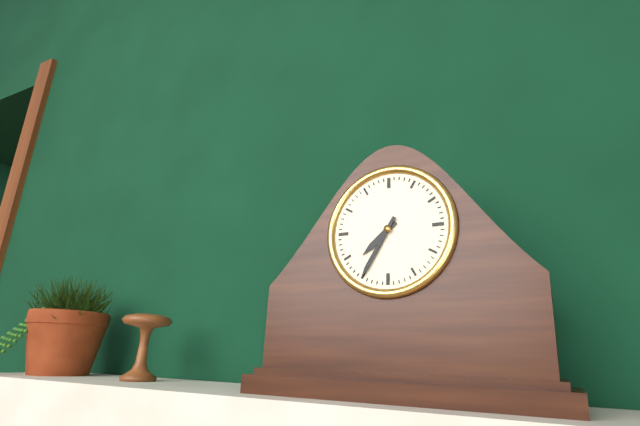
**7:35**
